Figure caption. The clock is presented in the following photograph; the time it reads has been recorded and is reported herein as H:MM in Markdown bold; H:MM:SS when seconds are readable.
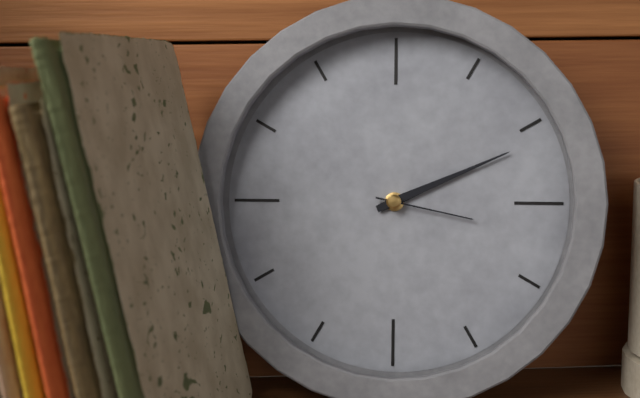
**2:11:17**
